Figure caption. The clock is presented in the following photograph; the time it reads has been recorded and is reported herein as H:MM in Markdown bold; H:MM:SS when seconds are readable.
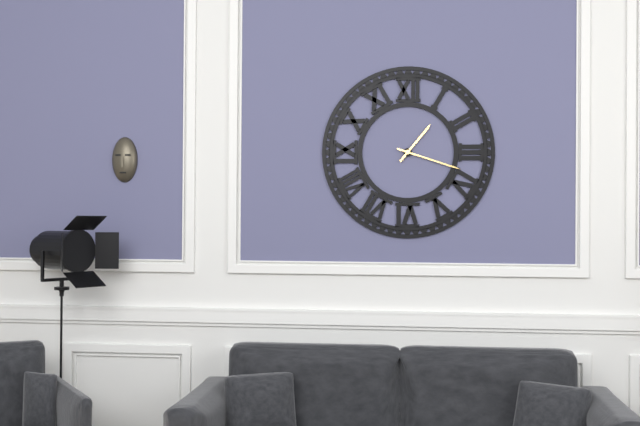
**1:18**
